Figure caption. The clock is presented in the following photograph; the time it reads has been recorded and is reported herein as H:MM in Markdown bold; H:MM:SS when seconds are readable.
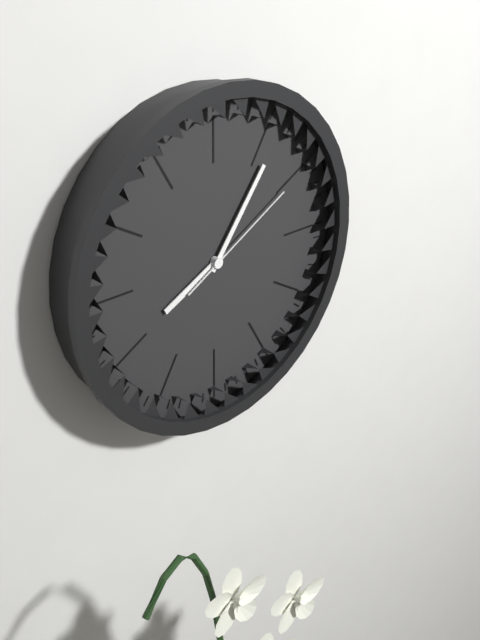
**8:06:10**
